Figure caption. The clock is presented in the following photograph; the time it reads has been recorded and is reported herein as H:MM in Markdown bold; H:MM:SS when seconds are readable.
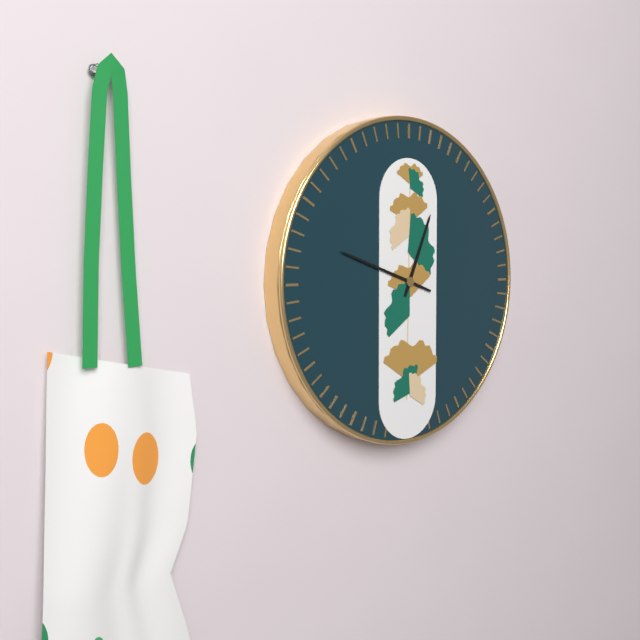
**12:48**
